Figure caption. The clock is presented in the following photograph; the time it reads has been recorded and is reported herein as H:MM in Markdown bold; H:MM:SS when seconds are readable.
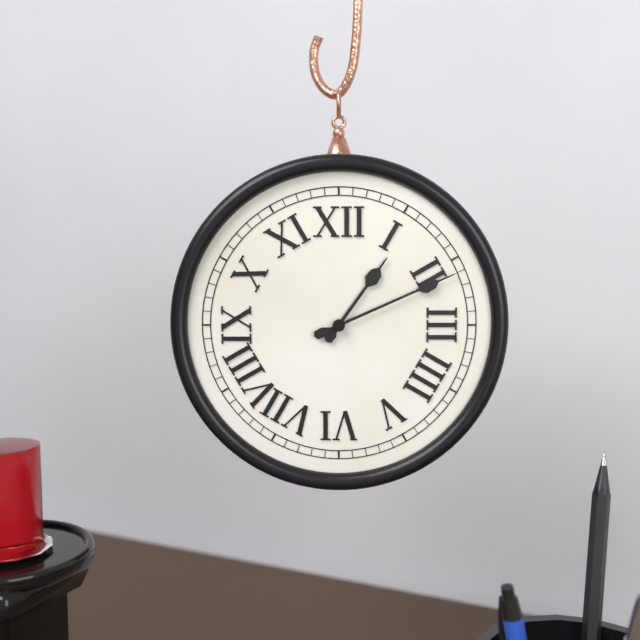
**1:11**
